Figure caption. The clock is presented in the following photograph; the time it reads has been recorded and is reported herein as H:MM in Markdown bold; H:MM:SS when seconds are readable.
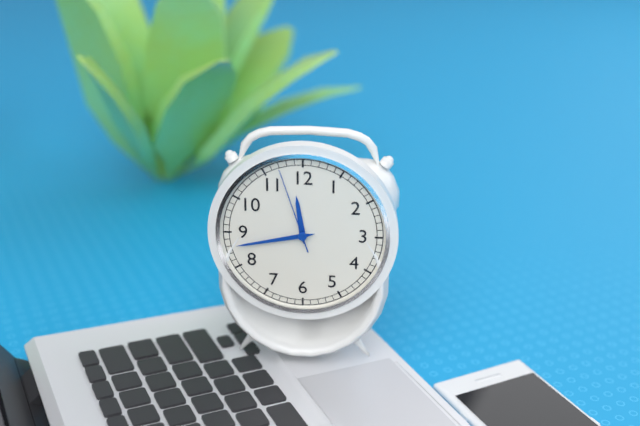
**11:43:57**
